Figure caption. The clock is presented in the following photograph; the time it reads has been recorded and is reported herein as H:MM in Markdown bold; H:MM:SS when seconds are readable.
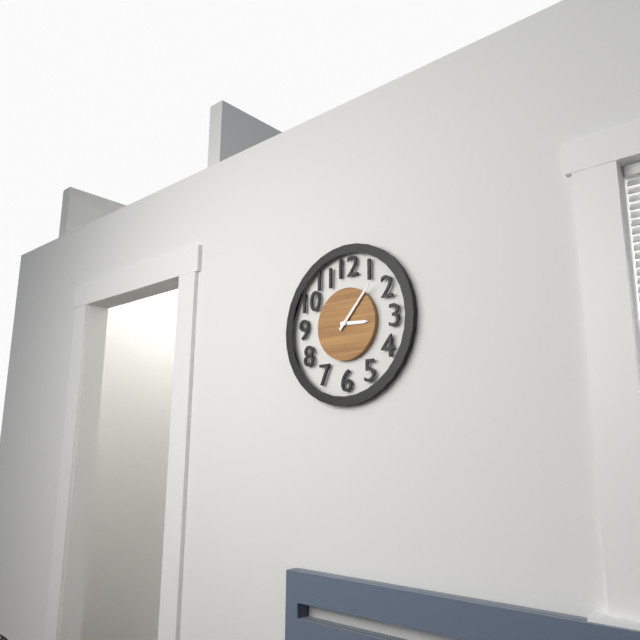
**3:07**
